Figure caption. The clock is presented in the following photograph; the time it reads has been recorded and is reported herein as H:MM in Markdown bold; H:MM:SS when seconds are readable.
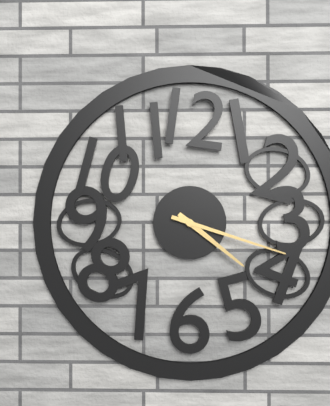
**4:18**
